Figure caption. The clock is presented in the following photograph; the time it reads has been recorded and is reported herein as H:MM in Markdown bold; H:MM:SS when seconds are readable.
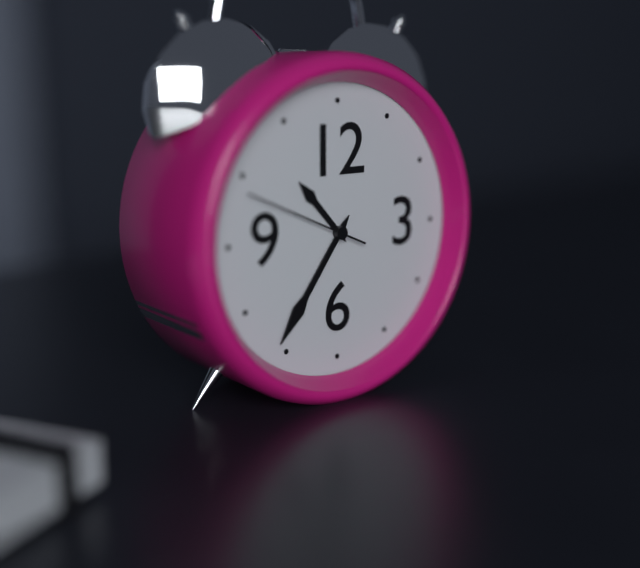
**10:36:49**
